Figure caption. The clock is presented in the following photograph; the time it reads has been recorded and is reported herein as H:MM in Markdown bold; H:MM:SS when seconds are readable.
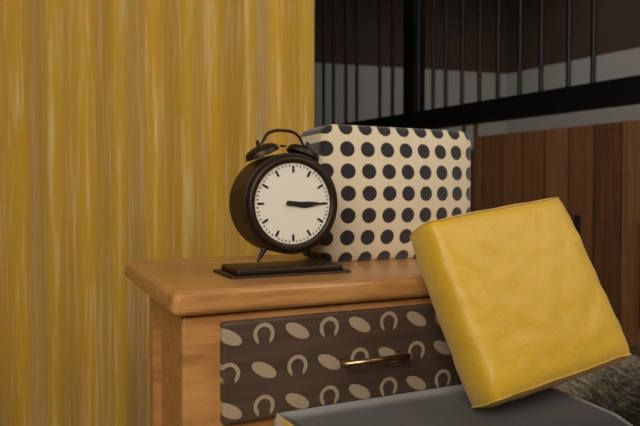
**3:15**
